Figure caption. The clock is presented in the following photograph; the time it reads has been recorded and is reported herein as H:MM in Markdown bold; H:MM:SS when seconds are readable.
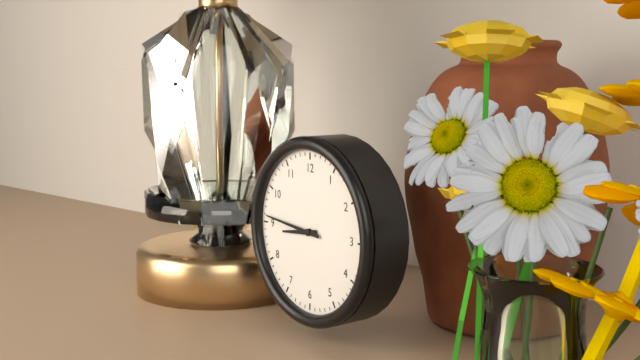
**8:46**
